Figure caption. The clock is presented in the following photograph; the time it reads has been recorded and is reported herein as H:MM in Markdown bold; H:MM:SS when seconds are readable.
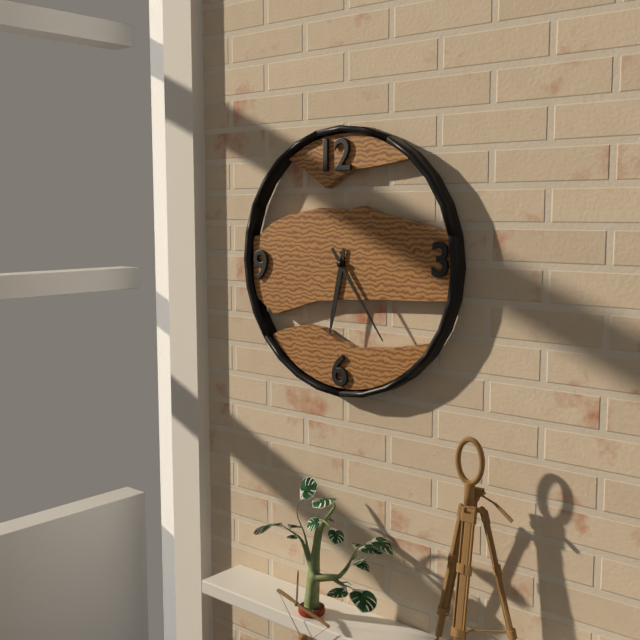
**6:24**
